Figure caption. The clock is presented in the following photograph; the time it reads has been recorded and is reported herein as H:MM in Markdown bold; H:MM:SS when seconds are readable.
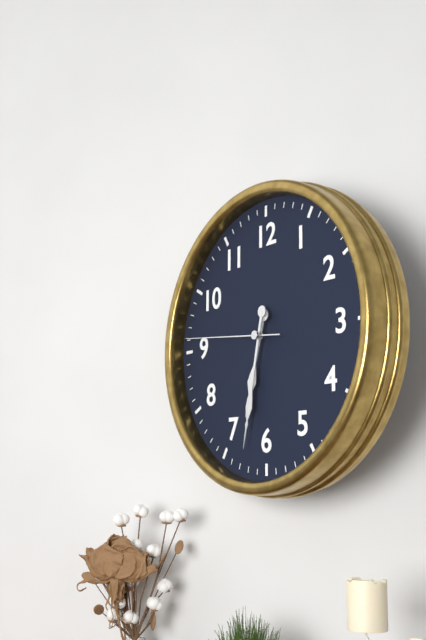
**6:32:46**
